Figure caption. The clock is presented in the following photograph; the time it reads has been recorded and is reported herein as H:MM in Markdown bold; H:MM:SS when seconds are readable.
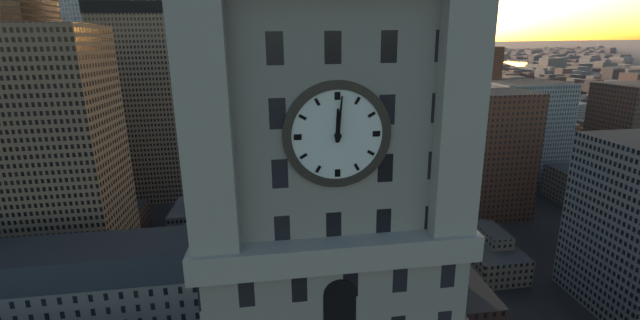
**12:01**
